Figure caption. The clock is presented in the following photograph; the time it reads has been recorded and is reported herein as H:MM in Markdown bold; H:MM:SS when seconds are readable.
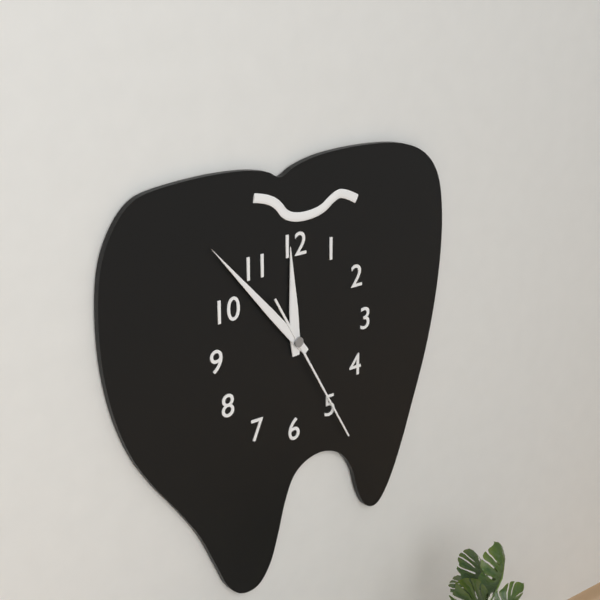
**11:53:25**
